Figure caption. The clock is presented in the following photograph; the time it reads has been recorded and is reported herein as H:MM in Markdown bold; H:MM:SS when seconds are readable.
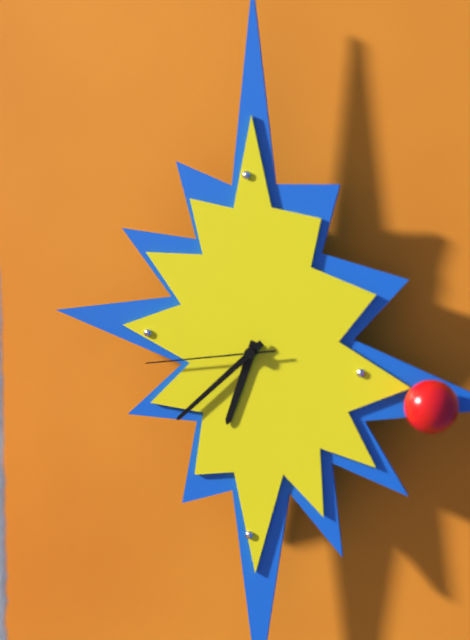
**6:38:44**
